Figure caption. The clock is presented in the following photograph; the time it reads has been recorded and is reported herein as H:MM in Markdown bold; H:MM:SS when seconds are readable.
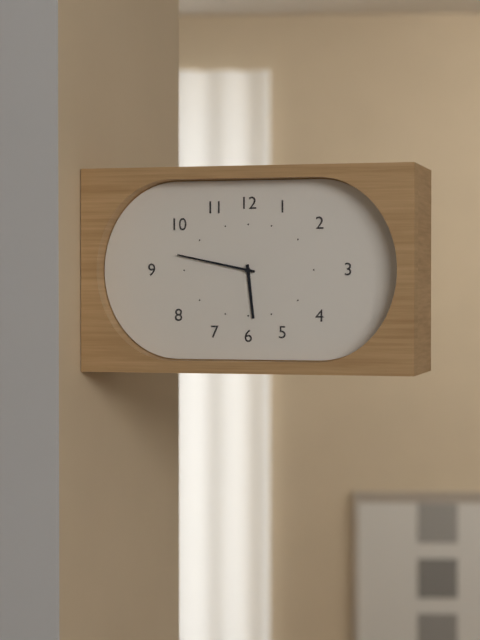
**5:47**
